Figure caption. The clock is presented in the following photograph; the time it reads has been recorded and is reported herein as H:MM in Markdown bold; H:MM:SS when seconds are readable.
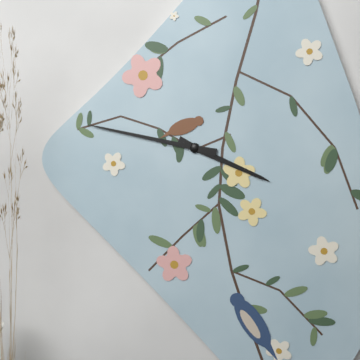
**3:47**
